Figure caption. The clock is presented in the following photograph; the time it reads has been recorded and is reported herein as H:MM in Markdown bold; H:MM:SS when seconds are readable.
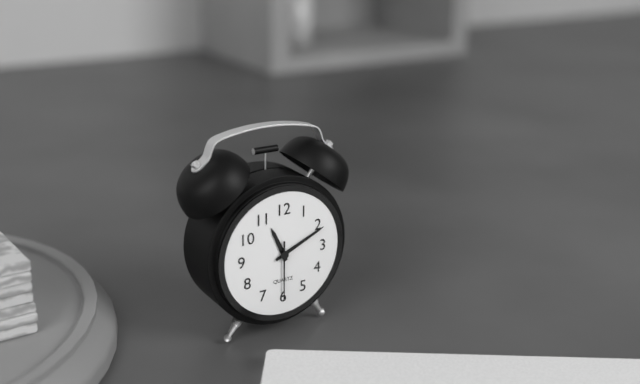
**11:11:30**
